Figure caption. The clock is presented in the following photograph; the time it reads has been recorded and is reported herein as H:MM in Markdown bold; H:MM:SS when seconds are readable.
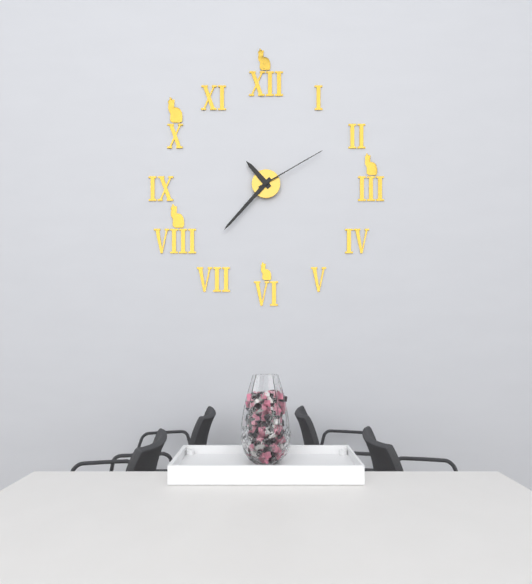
**10:37:10**
